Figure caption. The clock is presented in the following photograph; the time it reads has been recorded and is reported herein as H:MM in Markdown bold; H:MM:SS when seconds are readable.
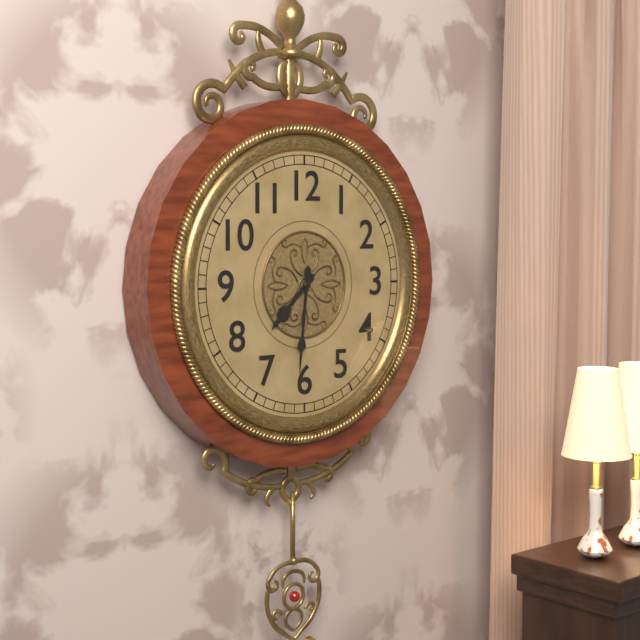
**7:31**
